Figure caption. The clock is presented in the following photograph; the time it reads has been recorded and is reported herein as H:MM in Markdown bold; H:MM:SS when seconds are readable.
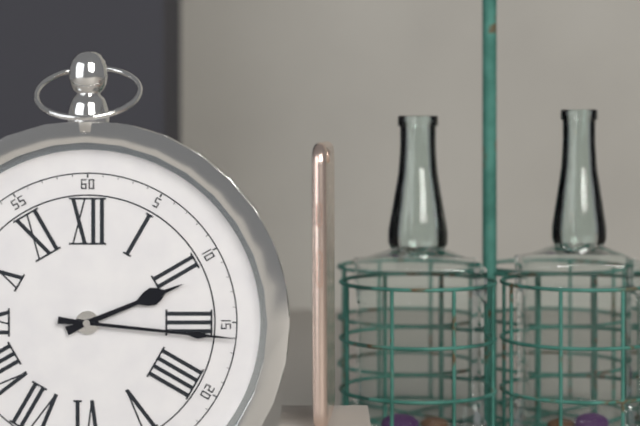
**2:16**
